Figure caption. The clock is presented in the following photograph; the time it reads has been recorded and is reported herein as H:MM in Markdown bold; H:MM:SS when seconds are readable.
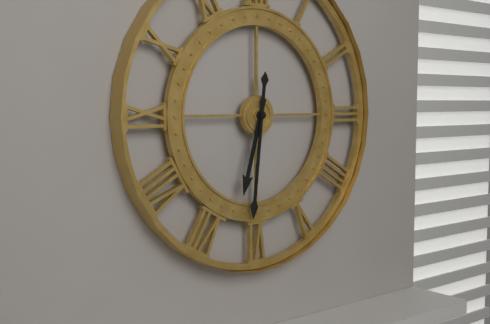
**6:31**
